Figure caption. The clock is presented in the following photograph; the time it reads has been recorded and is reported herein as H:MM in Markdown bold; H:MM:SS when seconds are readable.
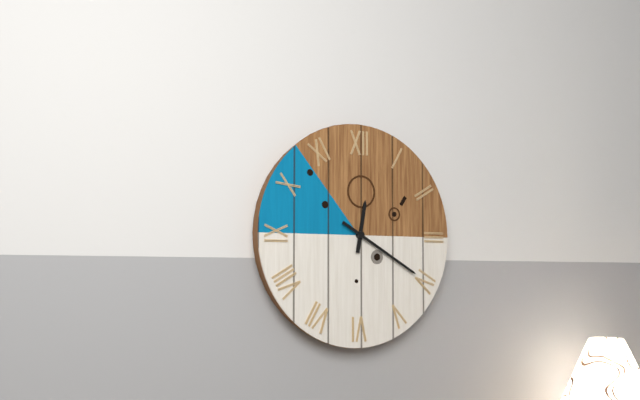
**12:20**
